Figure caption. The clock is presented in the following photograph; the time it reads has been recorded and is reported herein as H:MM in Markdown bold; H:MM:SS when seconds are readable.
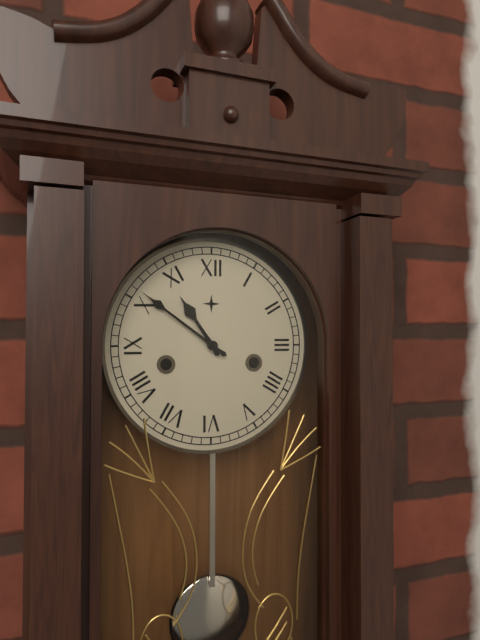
**10:51**
